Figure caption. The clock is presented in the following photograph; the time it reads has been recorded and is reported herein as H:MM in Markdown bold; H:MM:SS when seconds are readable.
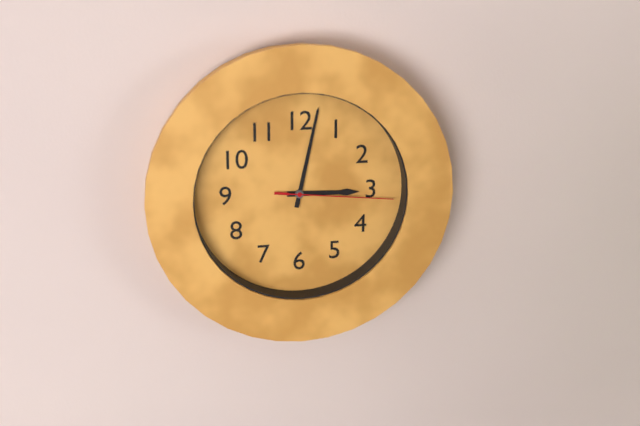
**3:02:16**
